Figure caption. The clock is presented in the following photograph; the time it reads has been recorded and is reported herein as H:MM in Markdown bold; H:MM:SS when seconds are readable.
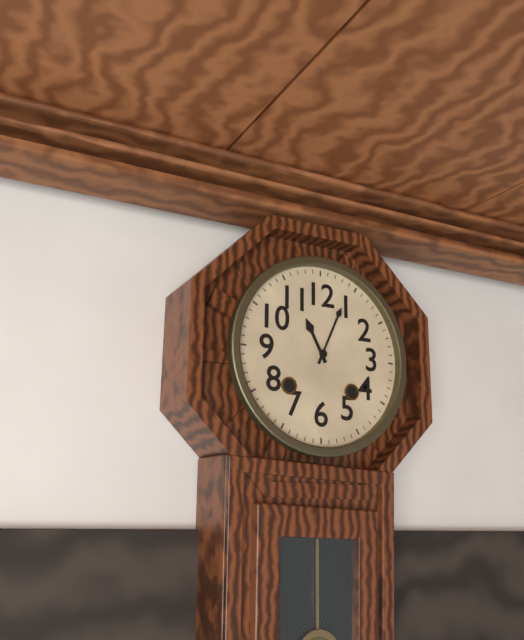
**11:04**
